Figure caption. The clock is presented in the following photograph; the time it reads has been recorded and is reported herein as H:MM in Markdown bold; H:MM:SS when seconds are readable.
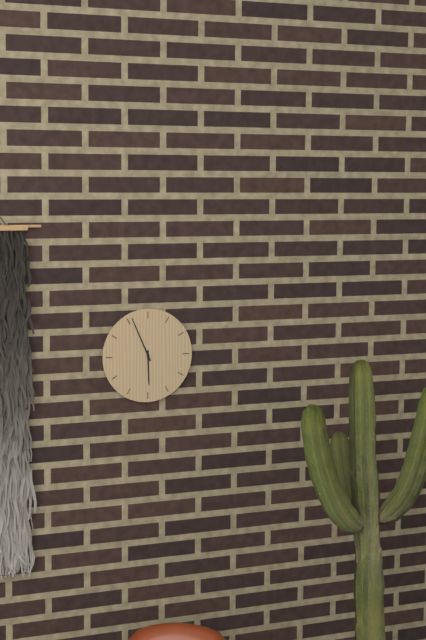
**5:56**
